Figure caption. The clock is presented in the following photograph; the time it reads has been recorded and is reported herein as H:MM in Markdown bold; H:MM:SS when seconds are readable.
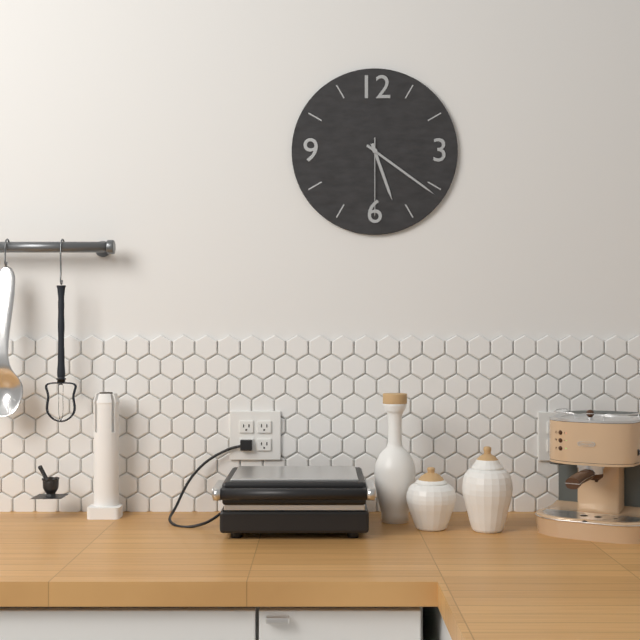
**5:21:30**
